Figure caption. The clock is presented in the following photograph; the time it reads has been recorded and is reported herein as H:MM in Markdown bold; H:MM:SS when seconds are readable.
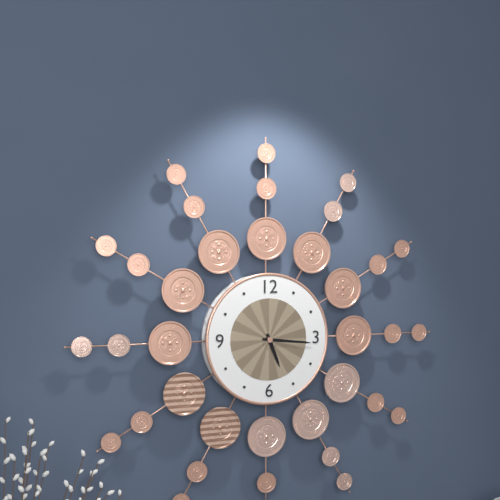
**5:16**
